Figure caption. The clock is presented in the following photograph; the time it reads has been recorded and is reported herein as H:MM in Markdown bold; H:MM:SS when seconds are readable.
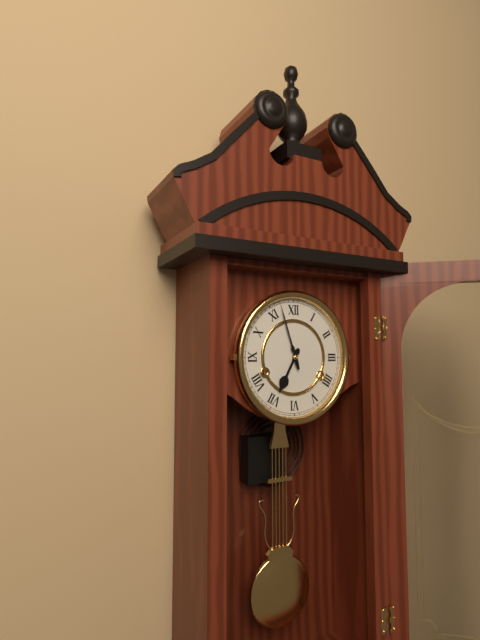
**6:57**
